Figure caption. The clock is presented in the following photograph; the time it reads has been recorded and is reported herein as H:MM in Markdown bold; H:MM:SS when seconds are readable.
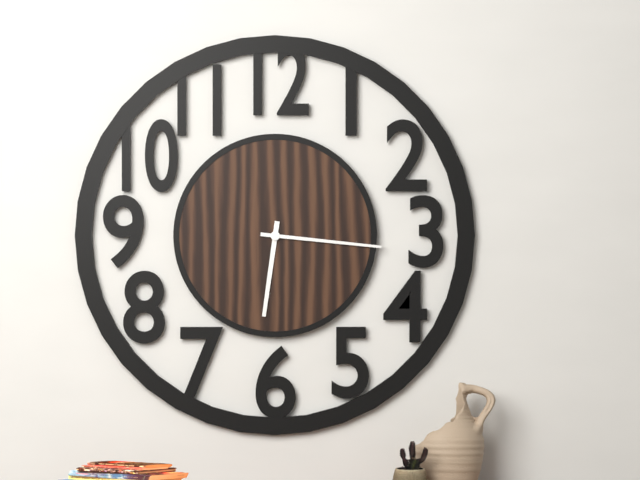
**6:16**
